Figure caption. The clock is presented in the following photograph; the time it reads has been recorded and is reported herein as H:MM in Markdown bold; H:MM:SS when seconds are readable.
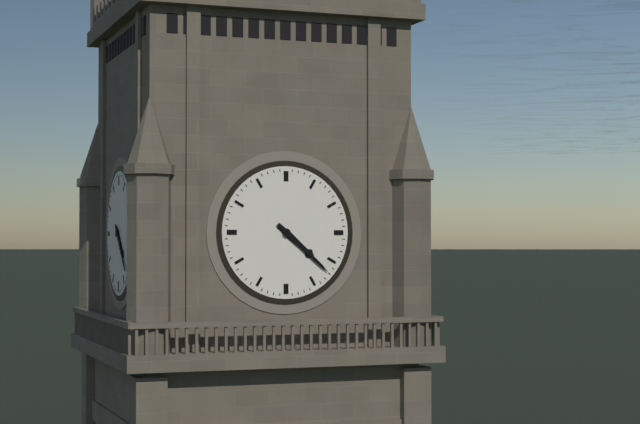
**4:22**
